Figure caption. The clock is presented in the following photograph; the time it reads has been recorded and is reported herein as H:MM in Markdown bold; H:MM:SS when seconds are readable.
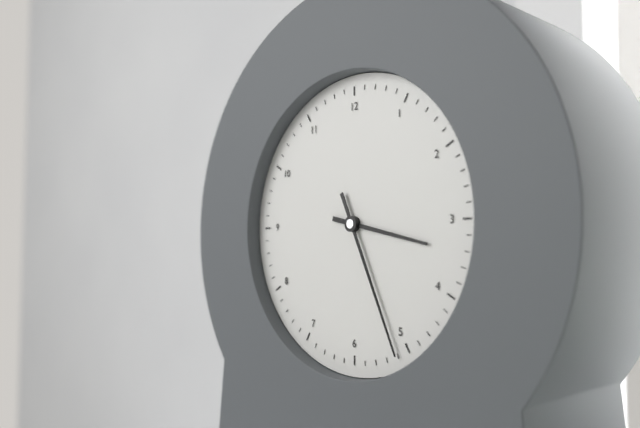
**3:26**
